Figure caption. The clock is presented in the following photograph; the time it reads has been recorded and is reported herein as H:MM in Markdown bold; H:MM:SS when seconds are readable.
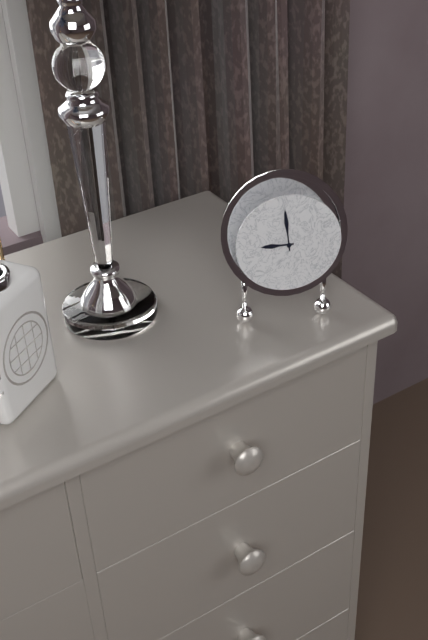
**8:59**
